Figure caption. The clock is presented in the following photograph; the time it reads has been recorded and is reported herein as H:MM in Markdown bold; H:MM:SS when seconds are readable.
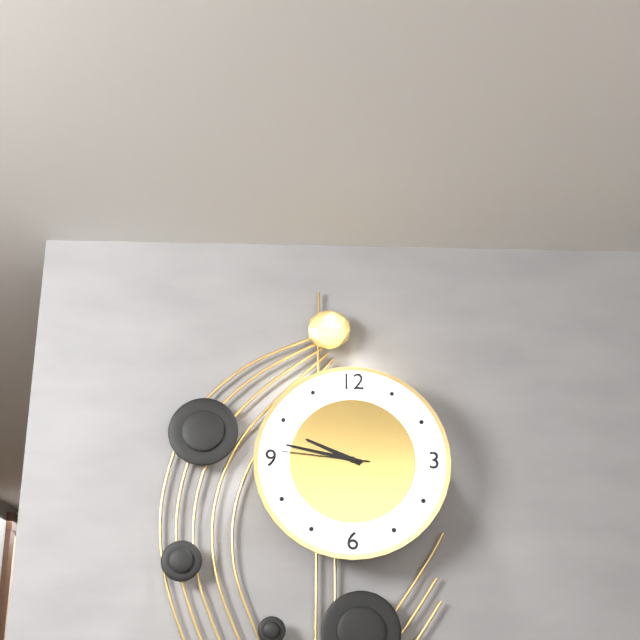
**9:47:46**
